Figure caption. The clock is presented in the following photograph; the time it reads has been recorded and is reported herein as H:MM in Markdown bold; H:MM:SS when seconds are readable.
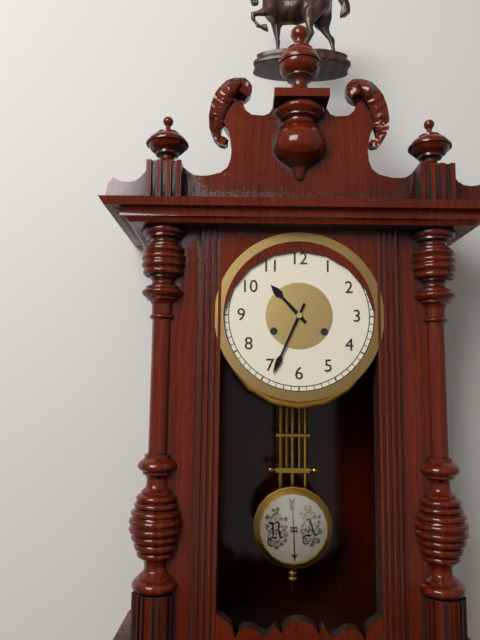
**10:34**
